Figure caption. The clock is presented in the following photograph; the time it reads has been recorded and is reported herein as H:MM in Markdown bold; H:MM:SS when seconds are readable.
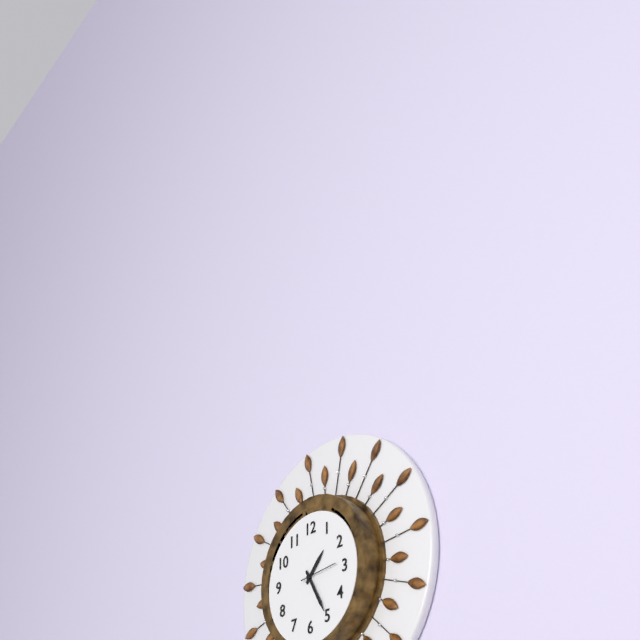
**1:25**
